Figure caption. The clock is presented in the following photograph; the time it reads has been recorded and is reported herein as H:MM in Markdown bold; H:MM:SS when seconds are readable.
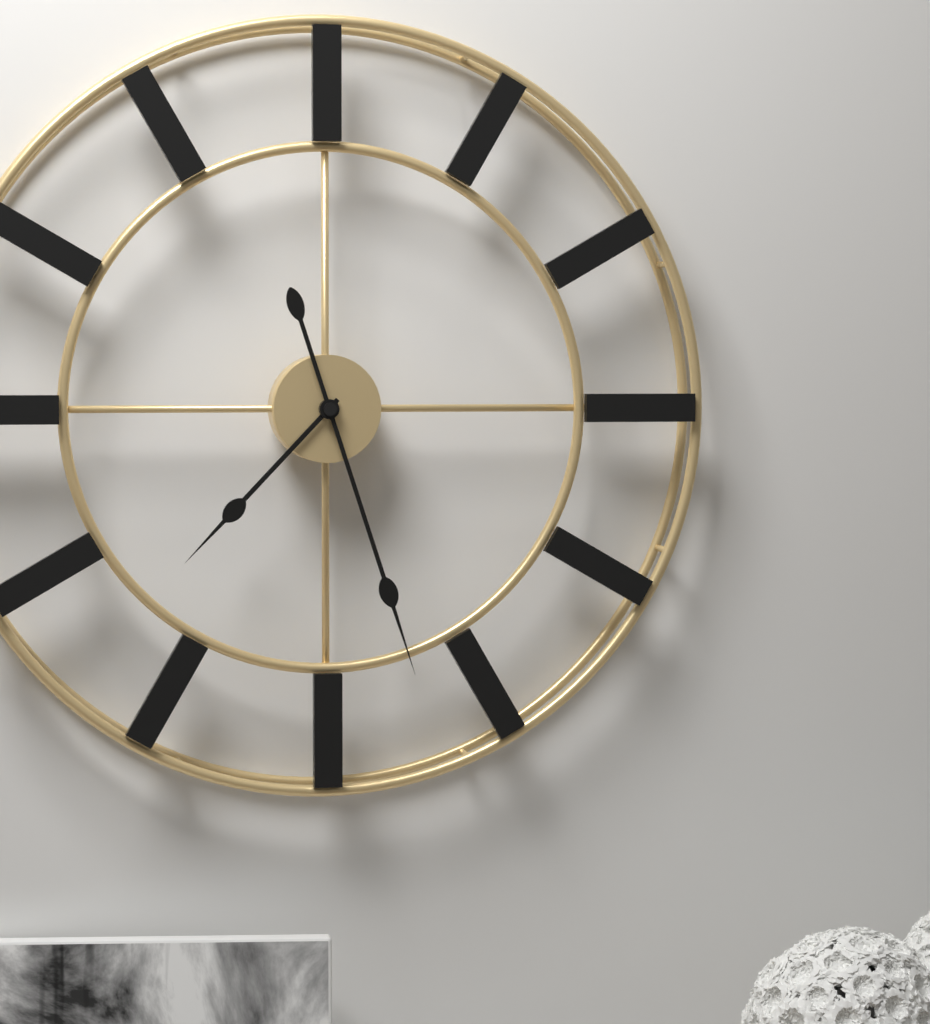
**7:27**
